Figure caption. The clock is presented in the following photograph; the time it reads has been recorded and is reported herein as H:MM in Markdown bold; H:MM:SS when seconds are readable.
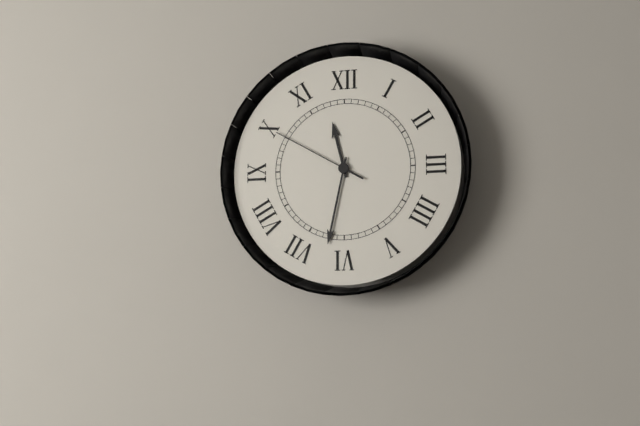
**11:32:50**
